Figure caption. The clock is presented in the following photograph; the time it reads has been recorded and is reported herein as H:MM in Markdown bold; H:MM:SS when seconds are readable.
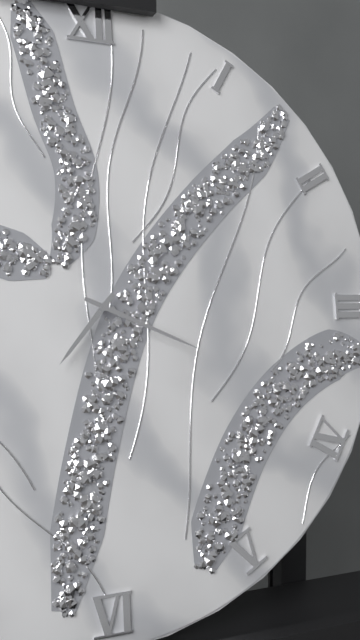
**7:19**
